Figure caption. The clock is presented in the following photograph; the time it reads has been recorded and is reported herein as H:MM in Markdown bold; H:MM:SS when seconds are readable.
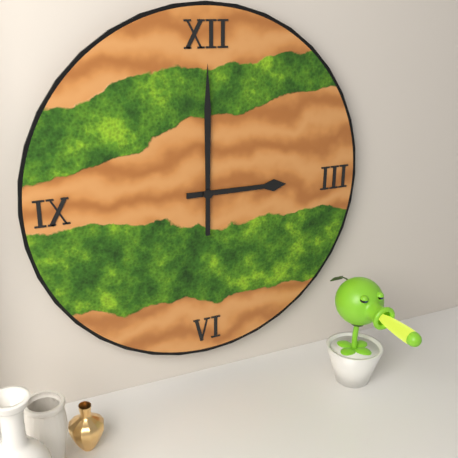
**3:00**
